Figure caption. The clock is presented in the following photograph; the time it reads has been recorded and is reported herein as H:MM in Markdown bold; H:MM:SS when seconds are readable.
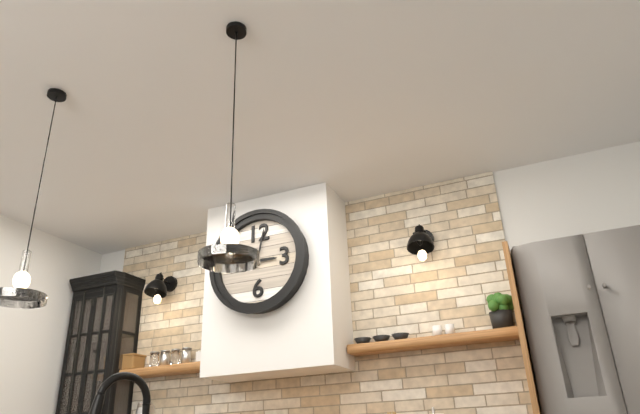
**3:02**
